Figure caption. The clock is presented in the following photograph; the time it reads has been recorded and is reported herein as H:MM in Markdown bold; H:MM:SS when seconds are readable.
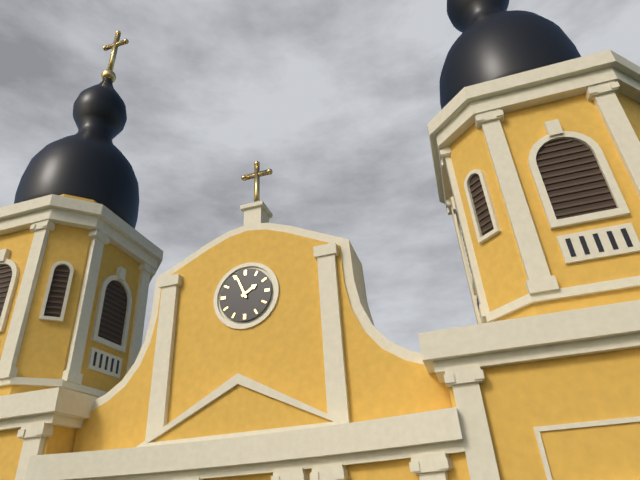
**1:56**
